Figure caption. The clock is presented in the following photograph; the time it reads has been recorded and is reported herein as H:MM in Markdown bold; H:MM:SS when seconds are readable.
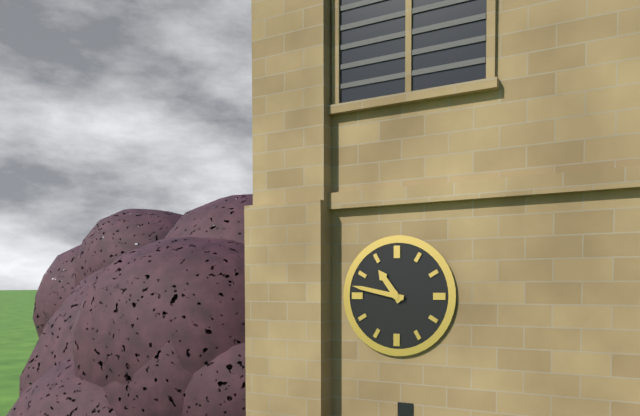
**10:47**
